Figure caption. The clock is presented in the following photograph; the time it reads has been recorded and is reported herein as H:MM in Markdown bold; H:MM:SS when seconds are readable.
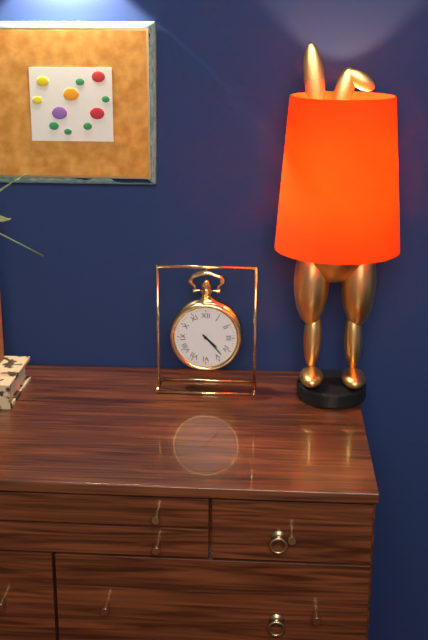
**4:23**
